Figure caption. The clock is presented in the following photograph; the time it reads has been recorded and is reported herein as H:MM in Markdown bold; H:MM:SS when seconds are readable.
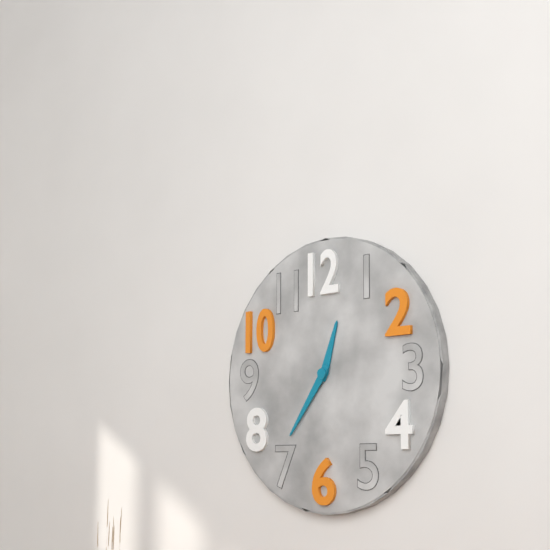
**12:36**
